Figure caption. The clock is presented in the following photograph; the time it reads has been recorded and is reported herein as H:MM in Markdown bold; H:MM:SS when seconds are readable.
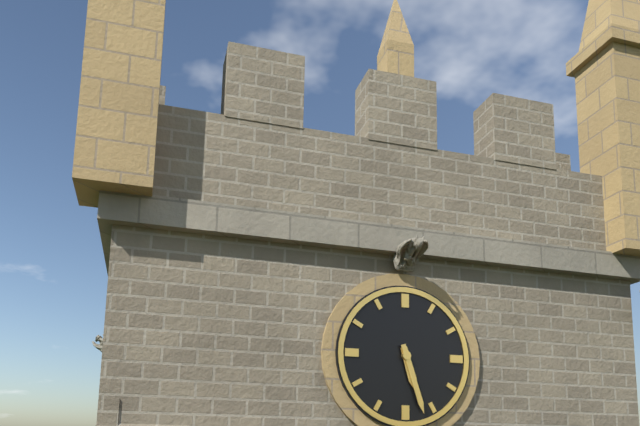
**5:27**
